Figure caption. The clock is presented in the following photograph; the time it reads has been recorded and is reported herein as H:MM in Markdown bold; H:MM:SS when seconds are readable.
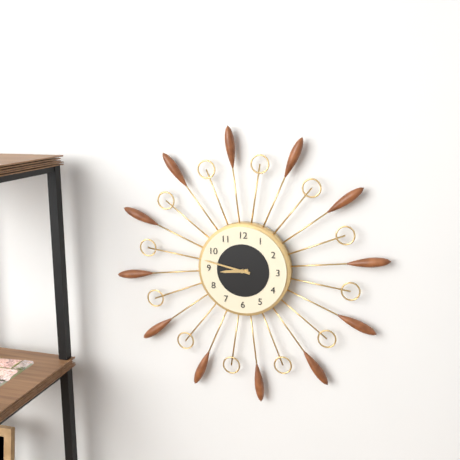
**8:47**
